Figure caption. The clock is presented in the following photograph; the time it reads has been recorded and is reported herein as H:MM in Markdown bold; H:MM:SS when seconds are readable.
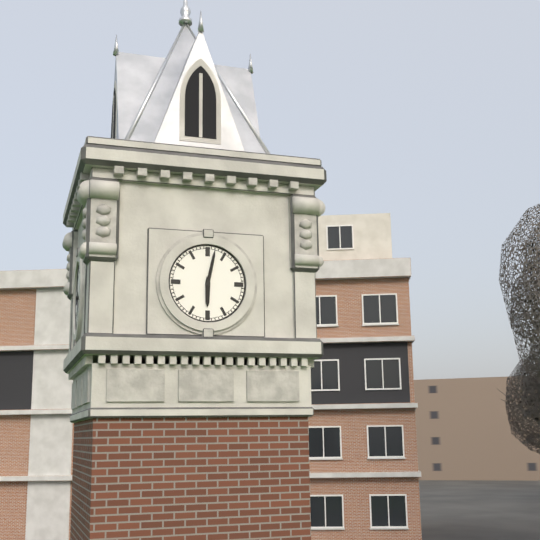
**6:02**
